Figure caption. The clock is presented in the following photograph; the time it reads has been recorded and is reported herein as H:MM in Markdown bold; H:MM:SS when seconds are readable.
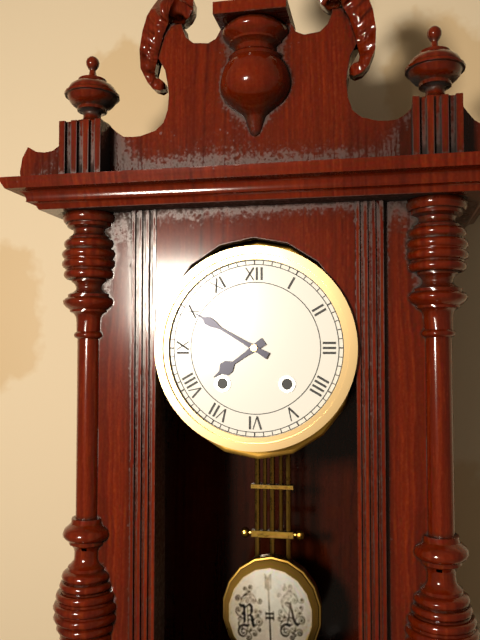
**7:50**
